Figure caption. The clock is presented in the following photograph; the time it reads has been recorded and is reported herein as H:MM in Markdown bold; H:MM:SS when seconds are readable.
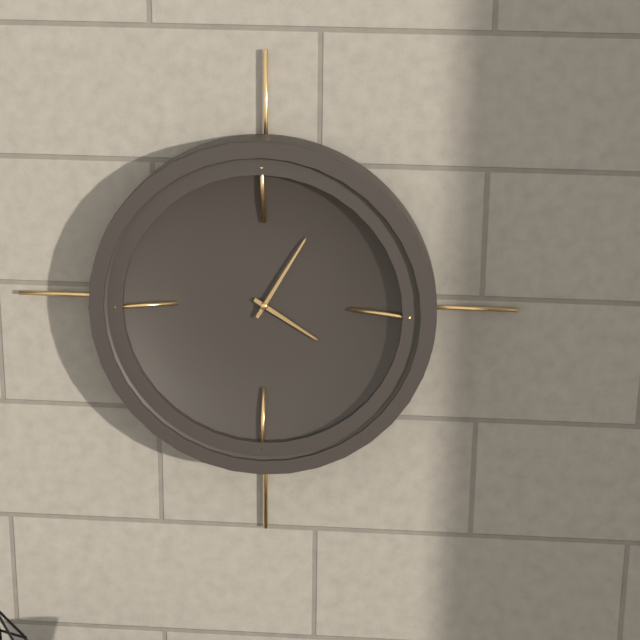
**4:05**
